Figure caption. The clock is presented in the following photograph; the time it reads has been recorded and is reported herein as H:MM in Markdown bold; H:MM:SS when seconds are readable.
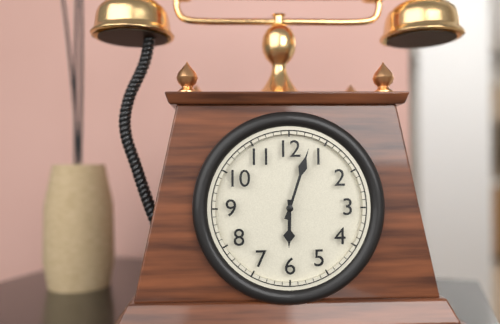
**6:03**
